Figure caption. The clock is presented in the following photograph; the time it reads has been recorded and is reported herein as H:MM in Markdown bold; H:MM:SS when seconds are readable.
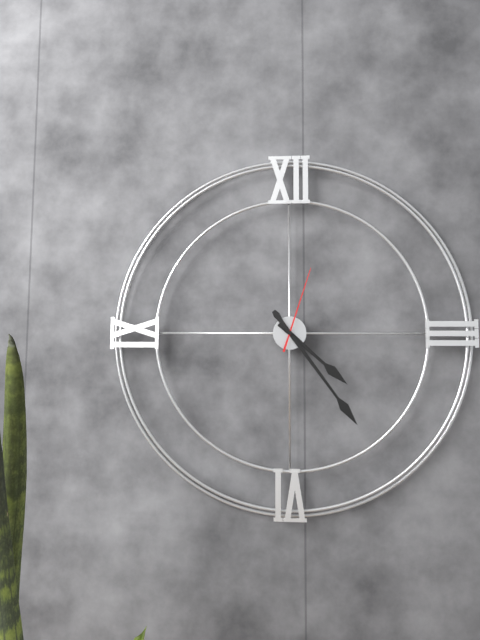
**4:24:03**
